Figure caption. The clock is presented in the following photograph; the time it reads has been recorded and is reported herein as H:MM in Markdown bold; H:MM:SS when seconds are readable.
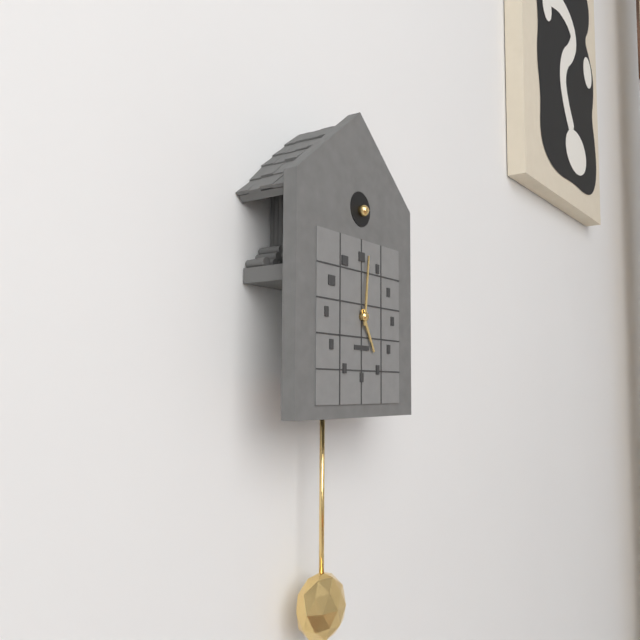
**5:01**
